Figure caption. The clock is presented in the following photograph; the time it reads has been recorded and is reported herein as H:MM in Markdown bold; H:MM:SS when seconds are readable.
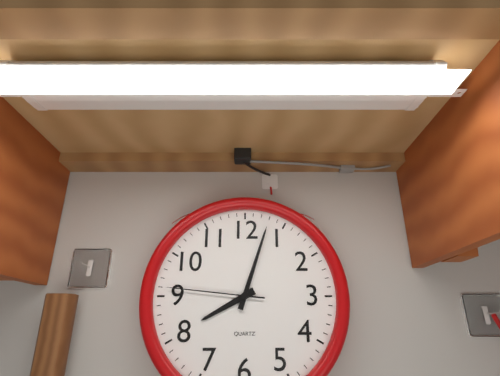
**8:03:46**
